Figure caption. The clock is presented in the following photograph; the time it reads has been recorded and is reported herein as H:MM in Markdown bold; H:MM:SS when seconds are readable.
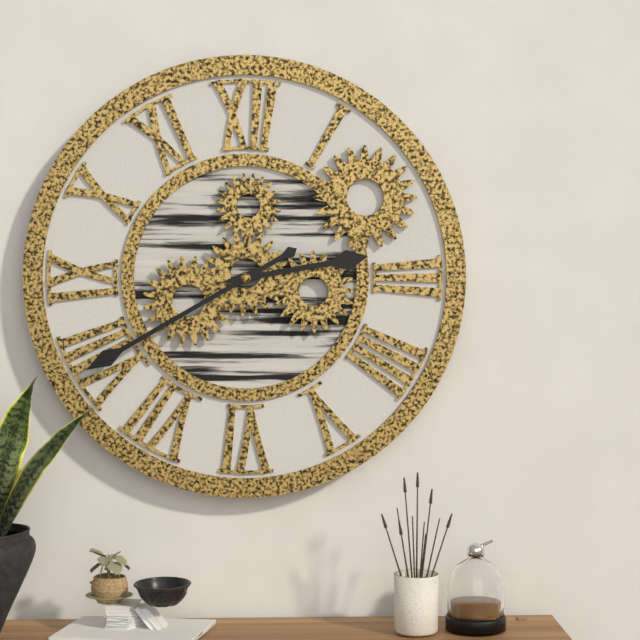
**2:40**
